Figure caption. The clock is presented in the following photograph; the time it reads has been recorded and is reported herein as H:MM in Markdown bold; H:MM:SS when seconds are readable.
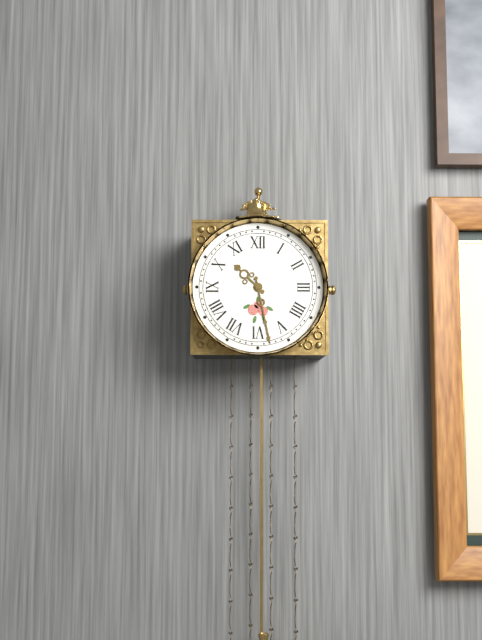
**10:28**
